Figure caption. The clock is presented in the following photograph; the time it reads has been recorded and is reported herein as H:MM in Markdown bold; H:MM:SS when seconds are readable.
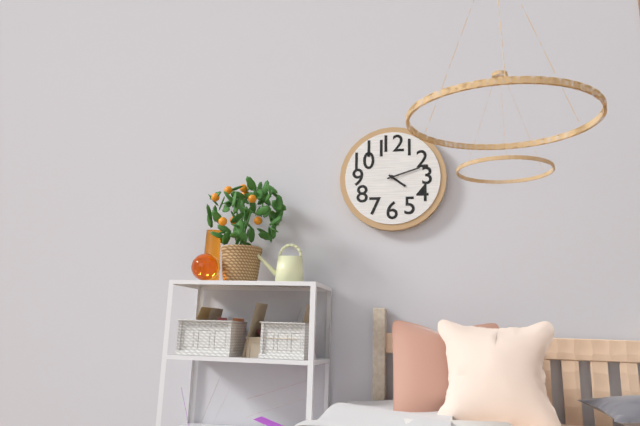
**4:12**
